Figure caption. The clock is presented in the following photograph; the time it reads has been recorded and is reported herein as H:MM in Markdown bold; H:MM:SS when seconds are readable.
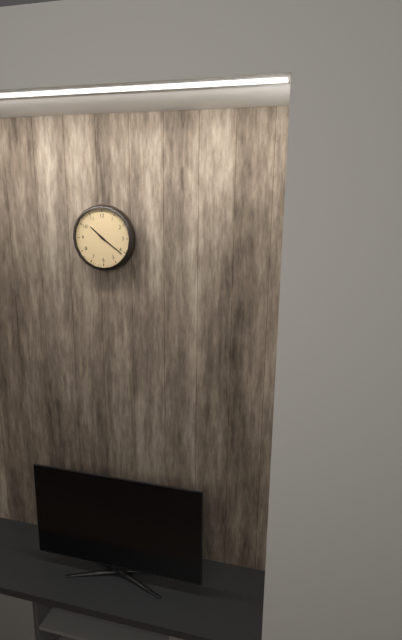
**10:21**
